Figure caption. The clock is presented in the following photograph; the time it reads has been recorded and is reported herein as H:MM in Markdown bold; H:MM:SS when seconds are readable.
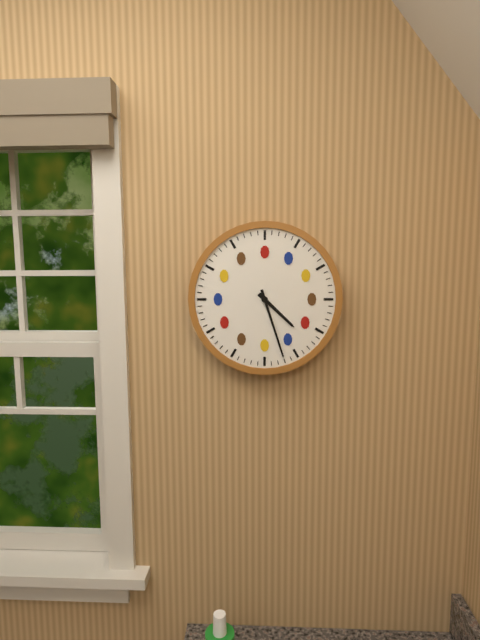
**4:27**
